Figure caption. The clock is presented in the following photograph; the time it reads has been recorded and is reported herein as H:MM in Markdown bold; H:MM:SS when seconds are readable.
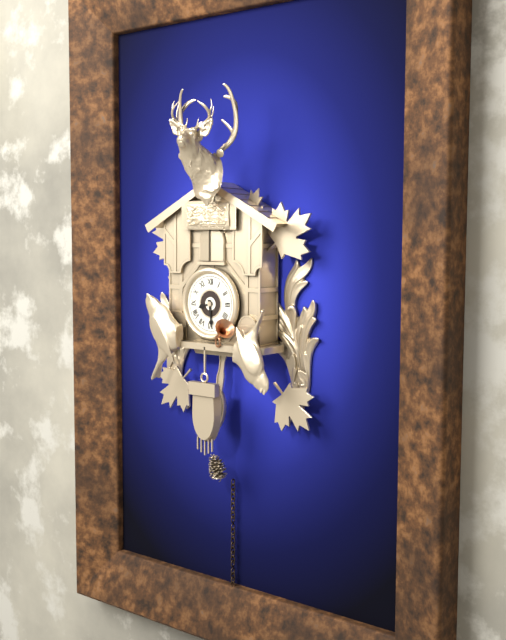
**8:29**
